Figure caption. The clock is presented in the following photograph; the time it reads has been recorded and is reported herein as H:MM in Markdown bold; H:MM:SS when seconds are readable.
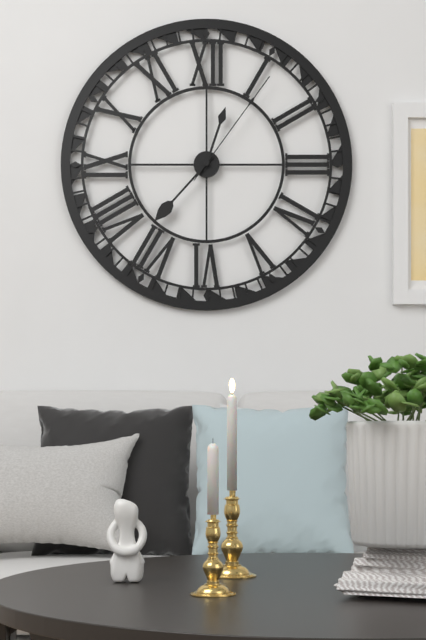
**12:37:06**
